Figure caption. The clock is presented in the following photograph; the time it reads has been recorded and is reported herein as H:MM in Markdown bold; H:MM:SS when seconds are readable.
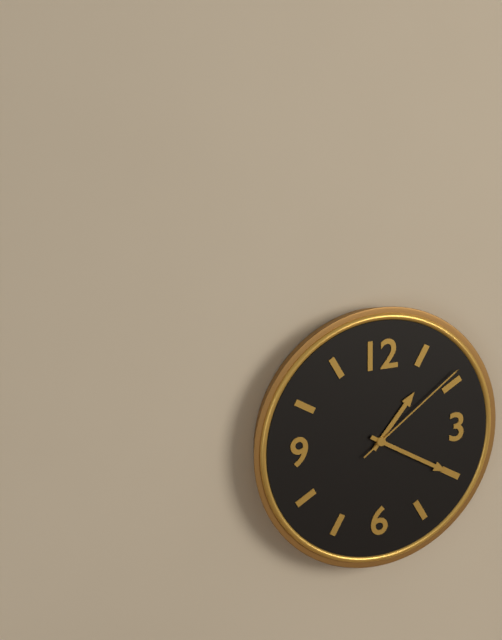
**1:20:09**
